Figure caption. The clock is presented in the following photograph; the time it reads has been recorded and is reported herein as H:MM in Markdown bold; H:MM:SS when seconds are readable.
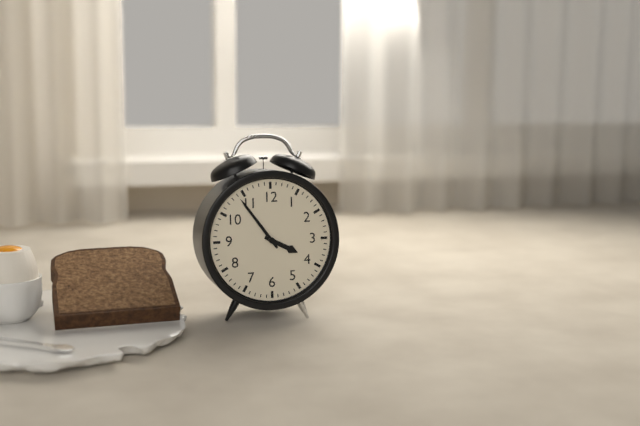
**3:54**
